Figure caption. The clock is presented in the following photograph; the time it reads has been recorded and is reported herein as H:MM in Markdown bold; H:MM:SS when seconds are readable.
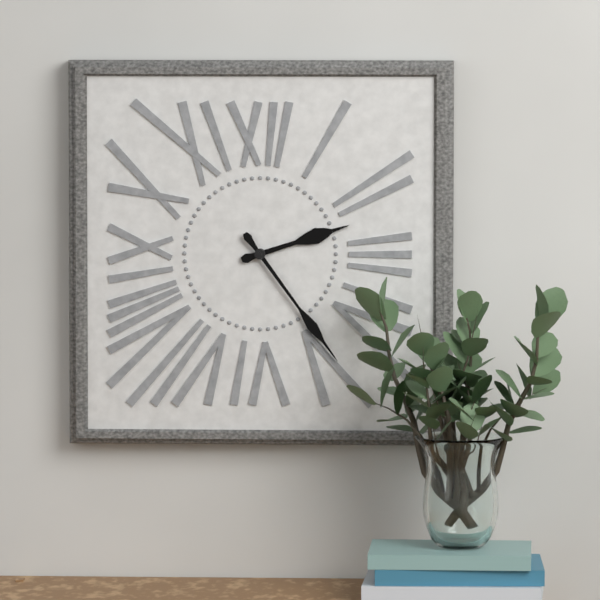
**2:24**
